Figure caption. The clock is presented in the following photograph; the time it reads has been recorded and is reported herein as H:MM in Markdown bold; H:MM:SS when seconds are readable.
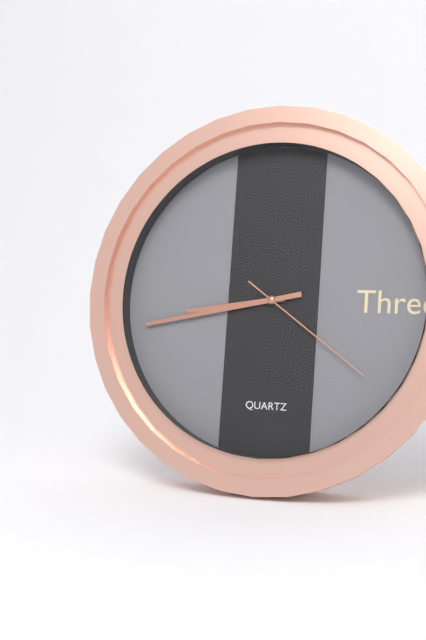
**8:43:21**
